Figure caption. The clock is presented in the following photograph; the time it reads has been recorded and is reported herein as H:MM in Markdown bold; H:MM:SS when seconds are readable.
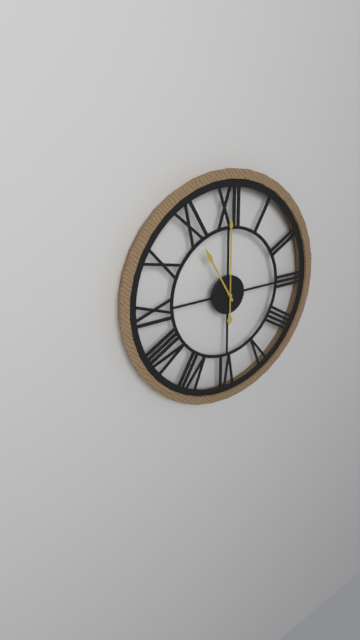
**11:00**
